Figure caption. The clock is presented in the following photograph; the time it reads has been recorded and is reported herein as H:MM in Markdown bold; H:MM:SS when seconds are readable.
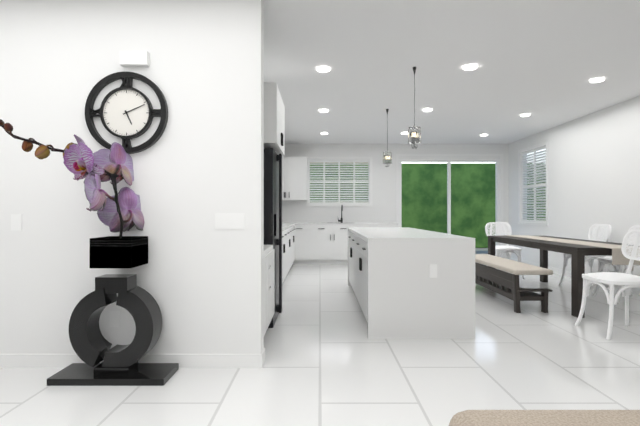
**5:11**
